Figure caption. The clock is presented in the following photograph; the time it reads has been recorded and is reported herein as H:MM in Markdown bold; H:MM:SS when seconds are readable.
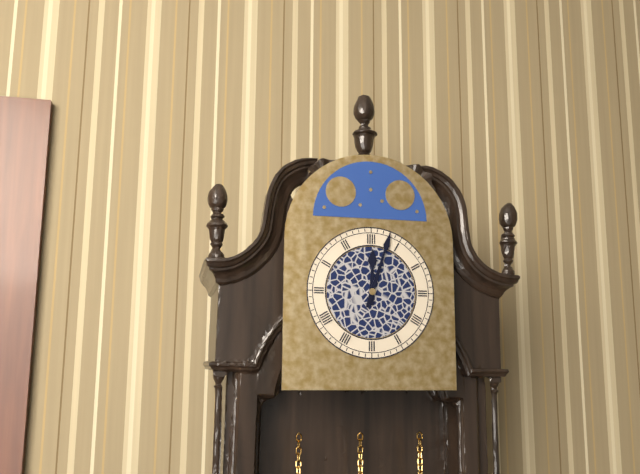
**12:03**
